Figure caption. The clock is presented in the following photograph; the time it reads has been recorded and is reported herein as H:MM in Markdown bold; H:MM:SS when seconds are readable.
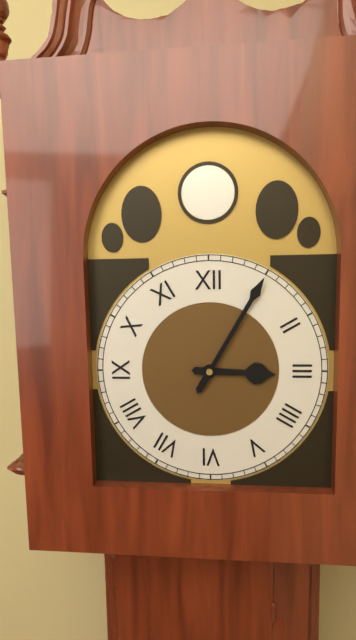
**3:05**
